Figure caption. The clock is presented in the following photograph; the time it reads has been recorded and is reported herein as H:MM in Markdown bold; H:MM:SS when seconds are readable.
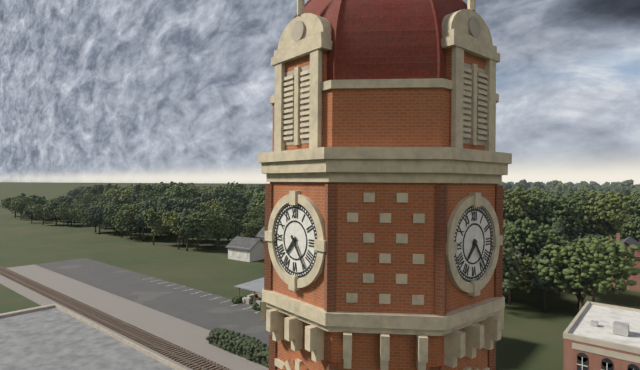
**7:24**
